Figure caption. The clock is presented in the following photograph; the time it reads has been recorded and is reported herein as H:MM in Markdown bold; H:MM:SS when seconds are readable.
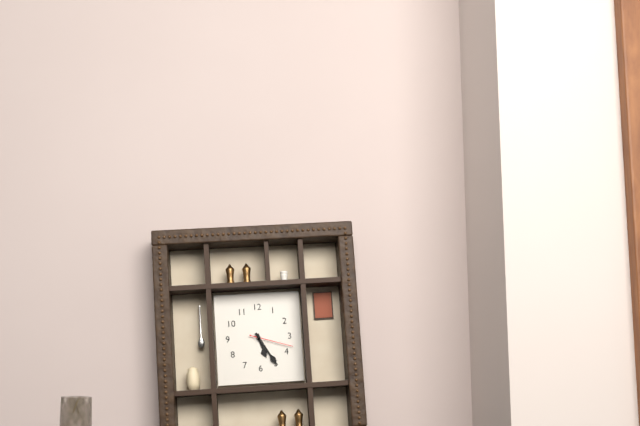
**5:25**
